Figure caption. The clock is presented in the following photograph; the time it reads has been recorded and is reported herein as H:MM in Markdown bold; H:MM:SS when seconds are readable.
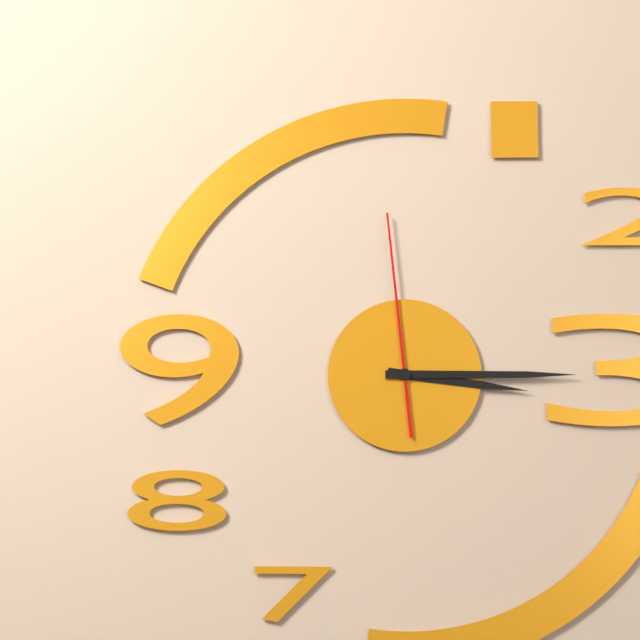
**3:15:59**
